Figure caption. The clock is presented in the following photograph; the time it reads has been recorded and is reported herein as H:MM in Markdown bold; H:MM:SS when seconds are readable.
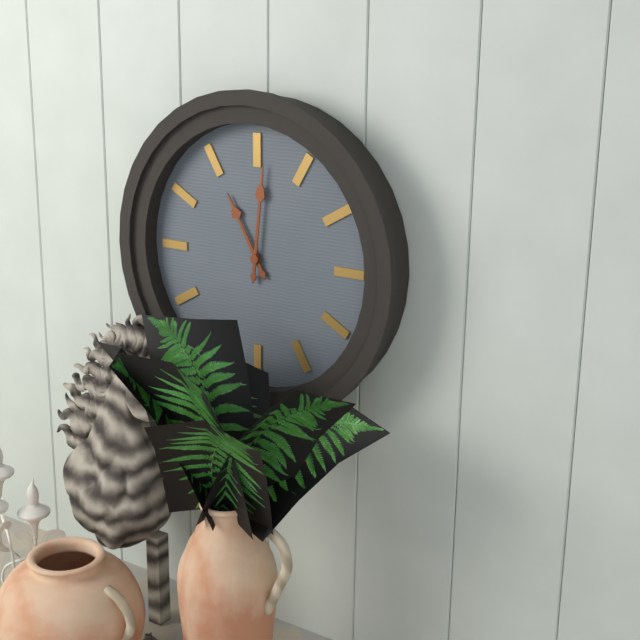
**11:01**
